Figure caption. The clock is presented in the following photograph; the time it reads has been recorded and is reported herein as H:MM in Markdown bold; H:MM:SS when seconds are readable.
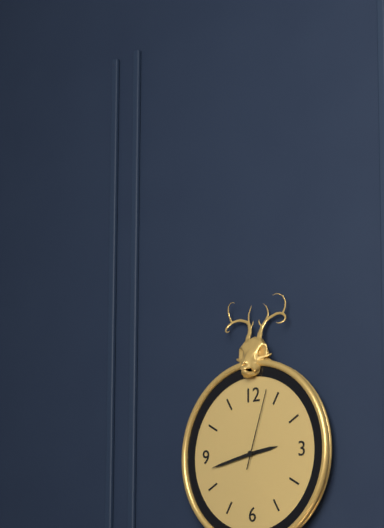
**2:43:03**
